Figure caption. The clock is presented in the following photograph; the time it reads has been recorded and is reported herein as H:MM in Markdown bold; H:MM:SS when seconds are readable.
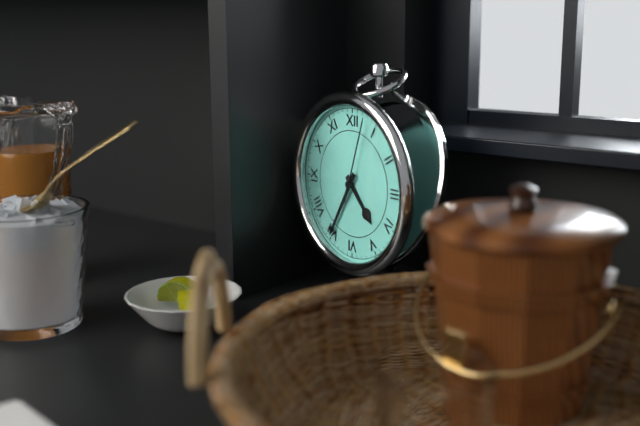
**4:35:03**
